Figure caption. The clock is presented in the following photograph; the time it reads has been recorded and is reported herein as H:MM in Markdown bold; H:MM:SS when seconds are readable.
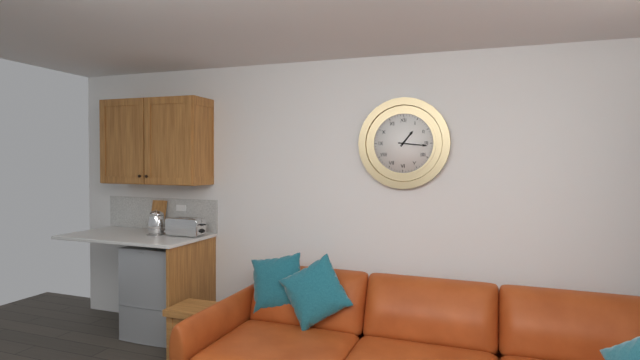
**1:16**
